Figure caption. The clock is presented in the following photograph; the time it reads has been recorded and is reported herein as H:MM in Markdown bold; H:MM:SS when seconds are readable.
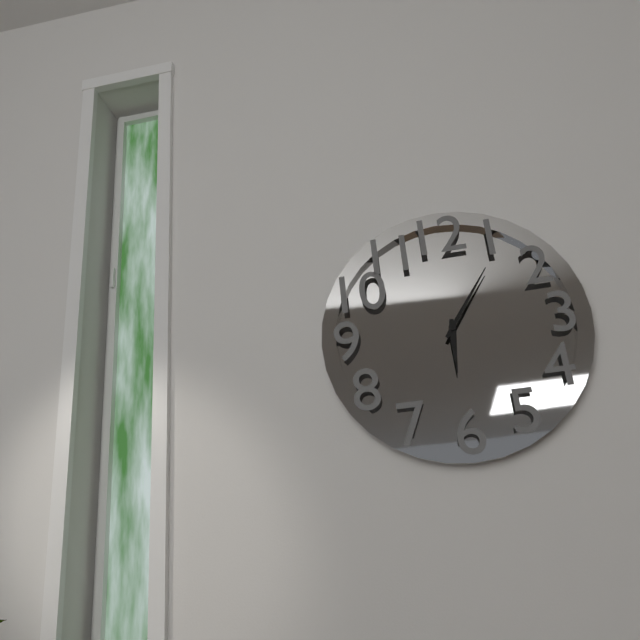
**6:06**
